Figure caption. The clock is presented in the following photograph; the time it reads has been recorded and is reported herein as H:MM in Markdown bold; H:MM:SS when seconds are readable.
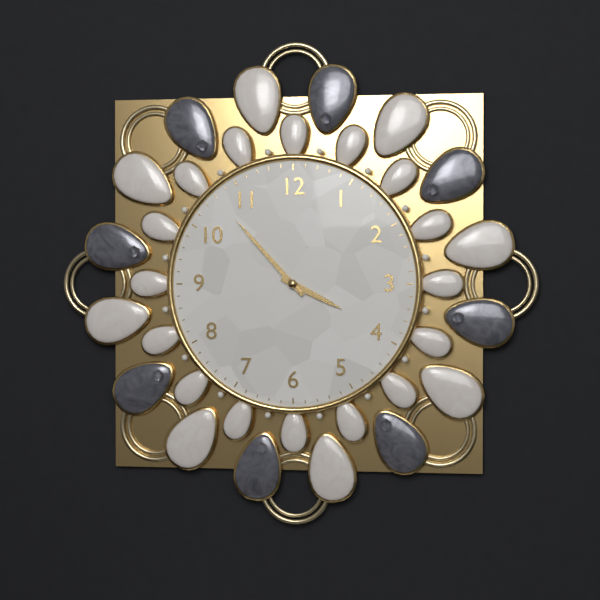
**3:53**
